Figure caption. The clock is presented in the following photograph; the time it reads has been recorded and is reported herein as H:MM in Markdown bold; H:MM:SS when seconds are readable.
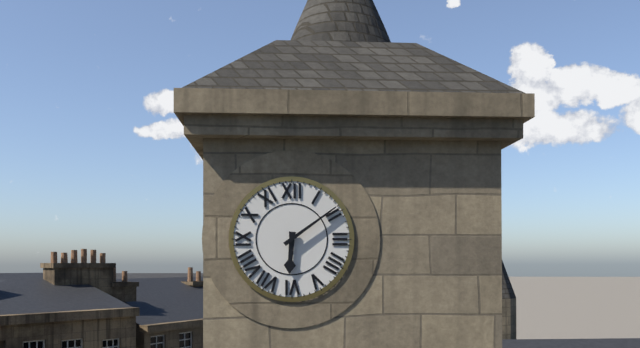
**6:09**
